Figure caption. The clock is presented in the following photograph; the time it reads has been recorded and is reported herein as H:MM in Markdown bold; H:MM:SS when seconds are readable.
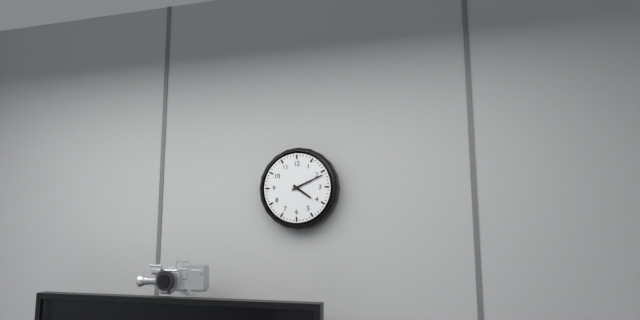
**4:11**
